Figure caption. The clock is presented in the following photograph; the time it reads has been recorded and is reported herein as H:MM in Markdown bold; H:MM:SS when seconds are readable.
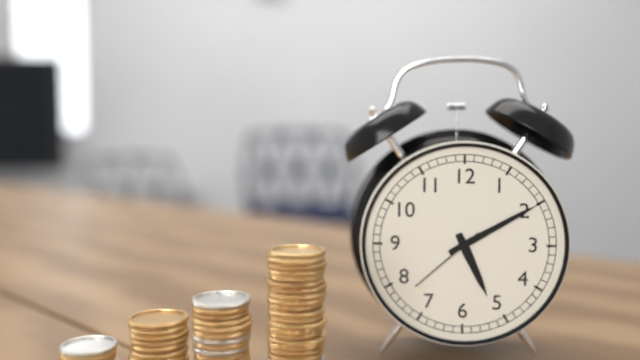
**5:10:38**
